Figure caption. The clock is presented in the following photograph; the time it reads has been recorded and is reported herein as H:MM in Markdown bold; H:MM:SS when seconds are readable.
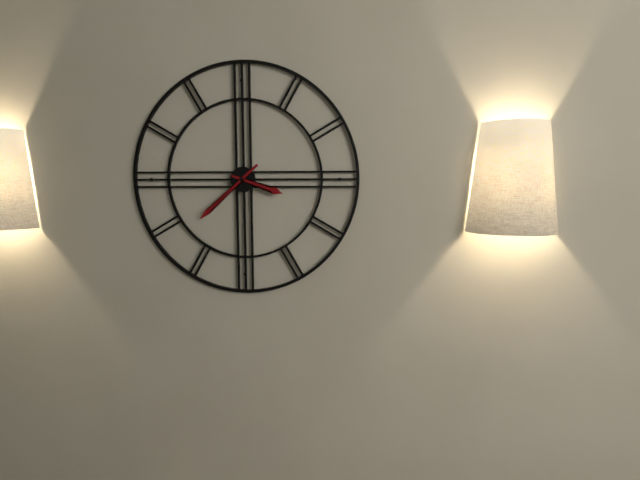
**3:38**
